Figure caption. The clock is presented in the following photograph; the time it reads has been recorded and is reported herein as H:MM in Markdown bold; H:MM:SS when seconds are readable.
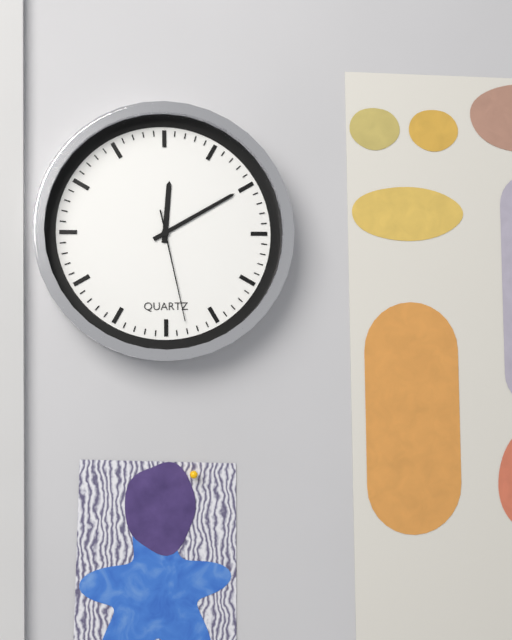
**12:10:28**
